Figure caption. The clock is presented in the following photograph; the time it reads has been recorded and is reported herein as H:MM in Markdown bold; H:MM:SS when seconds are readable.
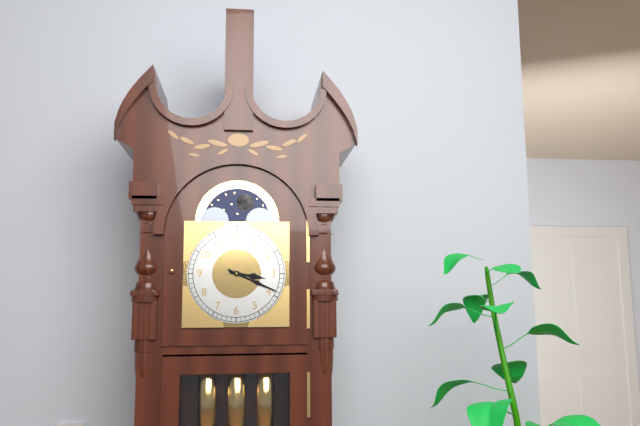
**3:19**
